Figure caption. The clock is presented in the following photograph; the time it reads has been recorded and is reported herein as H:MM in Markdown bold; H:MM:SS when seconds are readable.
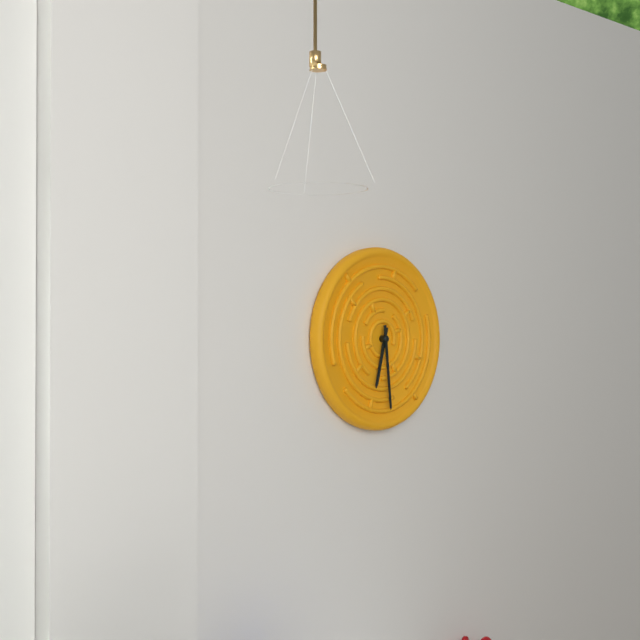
**6:29**
